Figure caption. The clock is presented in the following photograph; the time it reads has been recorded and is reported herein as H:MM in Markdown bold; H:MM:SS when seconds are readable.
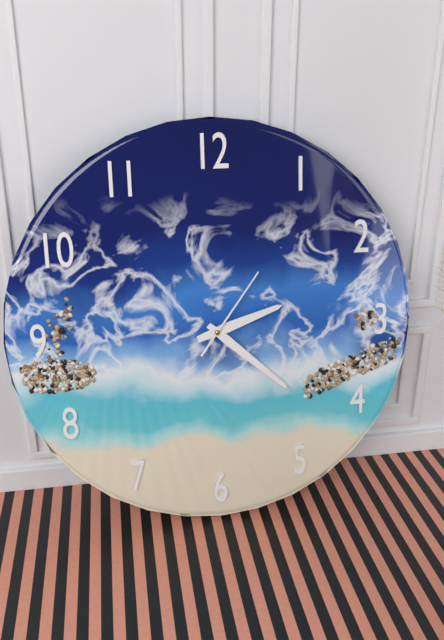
**2:22:06**
